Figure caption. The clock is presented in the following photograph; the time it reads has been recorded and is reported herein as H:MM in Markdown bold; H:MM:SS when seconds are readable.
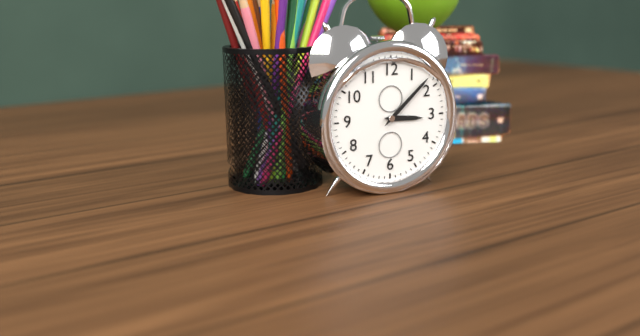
**3:08**
